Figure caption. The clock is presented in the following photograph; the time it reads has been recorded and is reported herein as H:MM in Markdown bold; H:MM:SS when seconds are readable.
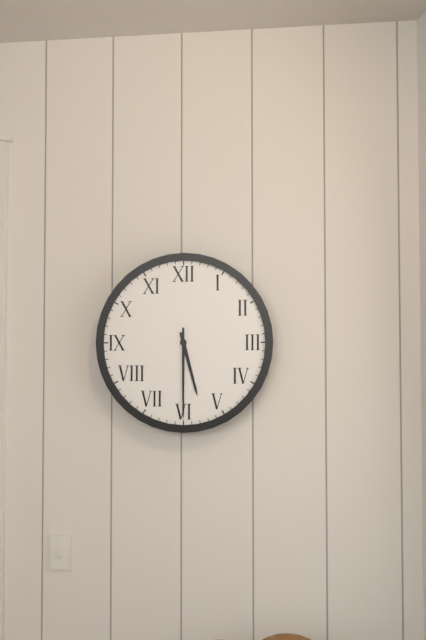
**5:30**
